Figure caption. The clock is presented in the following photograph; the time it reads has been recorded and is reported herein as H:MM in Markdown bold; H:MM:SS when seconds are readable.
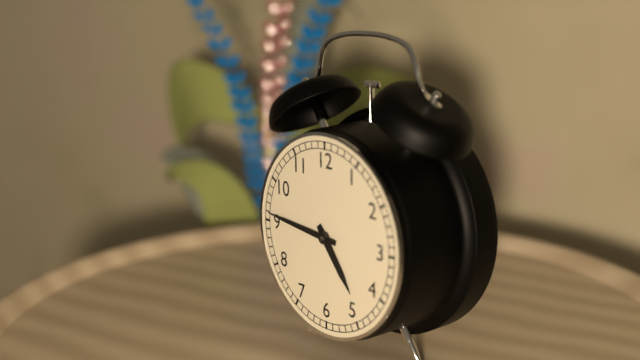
**4:46**
